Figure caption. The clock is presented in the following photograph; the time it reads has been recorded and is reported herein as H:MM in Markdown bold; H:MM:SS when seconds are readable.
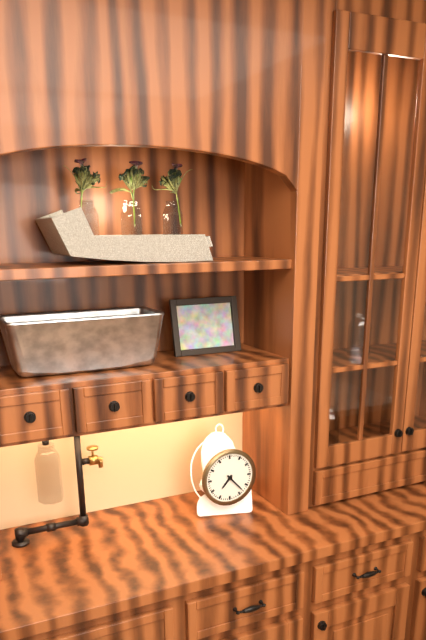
**7:23**
